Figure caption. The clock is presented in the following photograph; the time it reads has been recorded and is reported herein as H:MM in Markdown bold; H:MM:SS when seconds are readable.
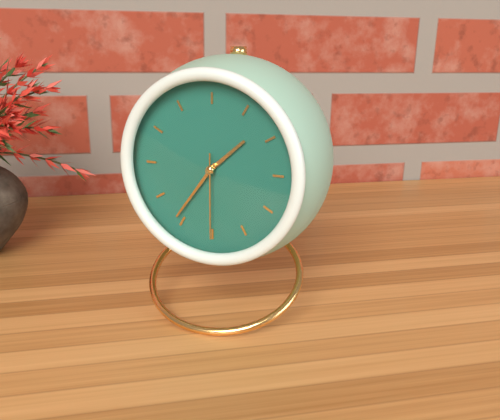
**1:36:30**
